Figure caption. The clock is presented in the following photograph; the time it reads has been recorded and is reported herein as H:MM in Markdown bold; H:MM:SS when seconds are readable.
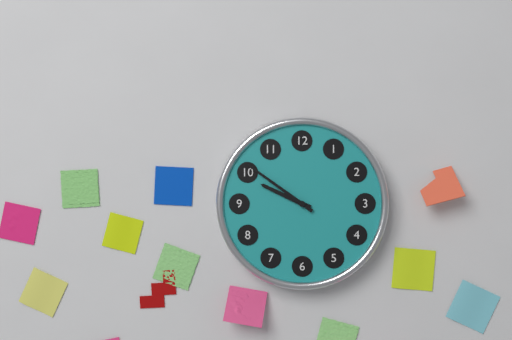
**9:51**
